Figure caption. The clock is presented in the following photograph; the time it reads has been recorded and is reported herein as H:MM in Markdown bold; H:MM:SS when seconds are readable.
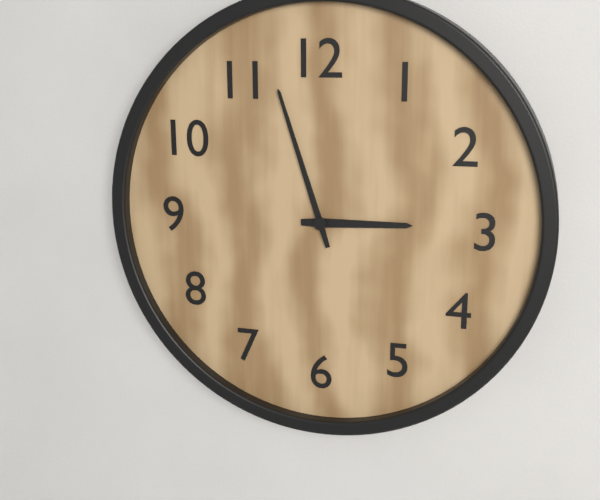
**2:57**
